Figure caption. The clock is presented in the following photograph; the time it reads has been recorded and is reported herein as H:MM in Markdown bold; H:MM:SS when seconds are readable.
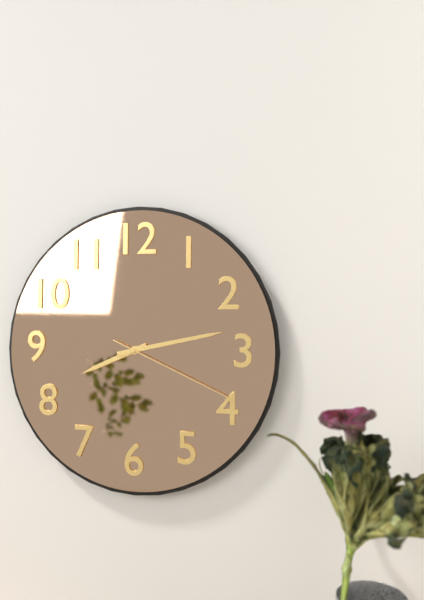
**8:13:19**
